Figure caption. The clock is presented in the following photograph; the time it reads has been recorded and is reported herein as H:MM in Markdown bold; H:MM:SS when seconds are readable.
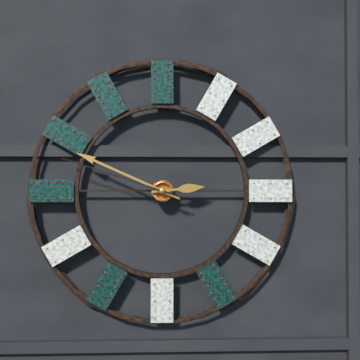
**2:49:48**
